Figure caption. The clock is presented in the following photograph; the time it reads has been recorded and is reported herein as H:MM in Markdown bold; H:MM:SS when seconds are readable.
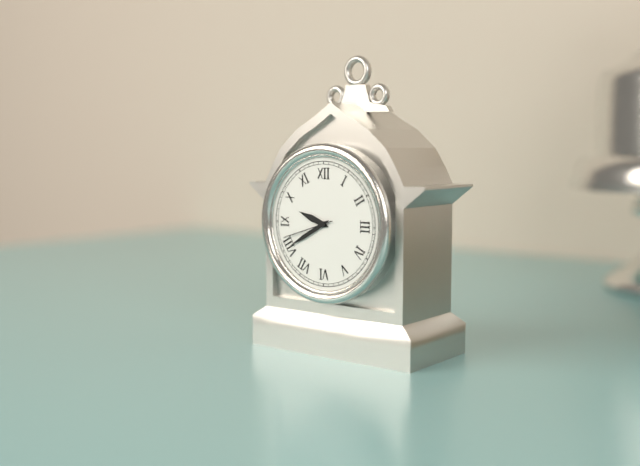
**9:40:42**
